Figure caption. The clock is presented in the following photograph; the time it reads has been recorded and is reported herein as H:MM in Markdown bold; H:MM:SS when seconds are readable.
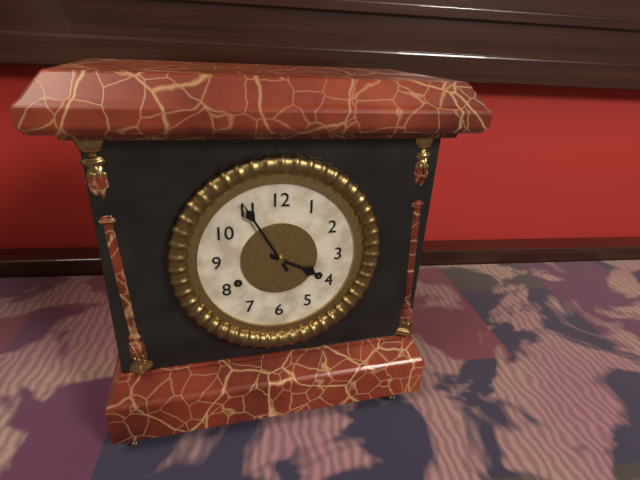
**3:55**
